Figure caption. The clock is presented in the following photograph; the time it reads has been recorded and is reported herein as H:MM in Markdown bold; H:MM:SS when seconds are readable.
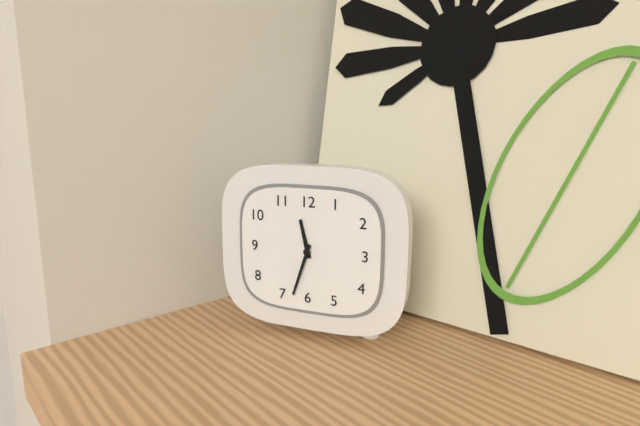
**11:33**
